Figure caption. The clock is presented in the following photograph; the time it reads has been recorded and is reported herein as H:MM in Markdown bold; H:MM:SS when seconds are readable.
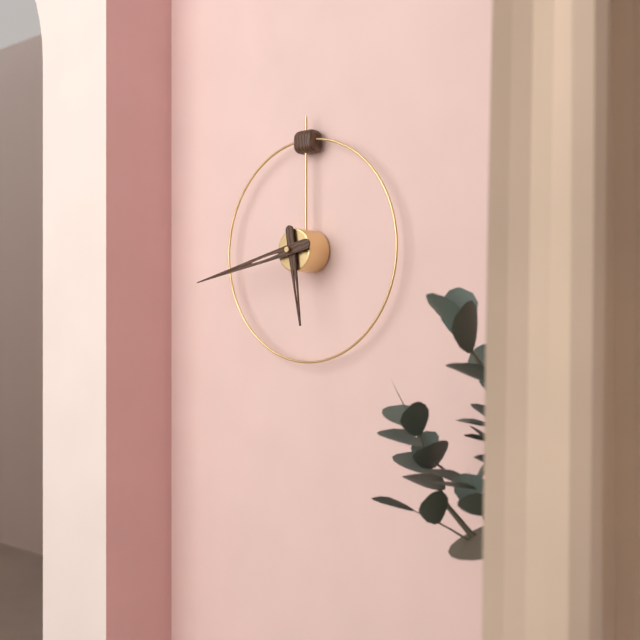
**5:43**
